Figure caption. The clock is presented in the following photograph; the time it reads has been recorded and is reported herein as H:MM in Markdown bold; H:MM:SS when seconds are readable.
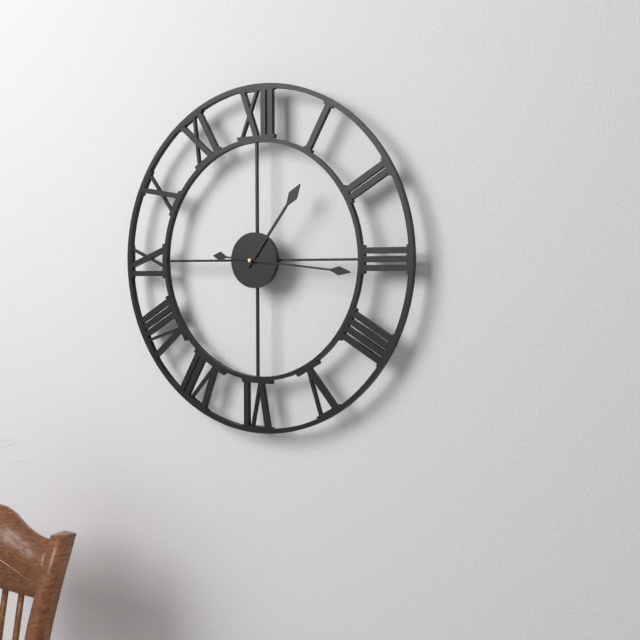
**1:16**
